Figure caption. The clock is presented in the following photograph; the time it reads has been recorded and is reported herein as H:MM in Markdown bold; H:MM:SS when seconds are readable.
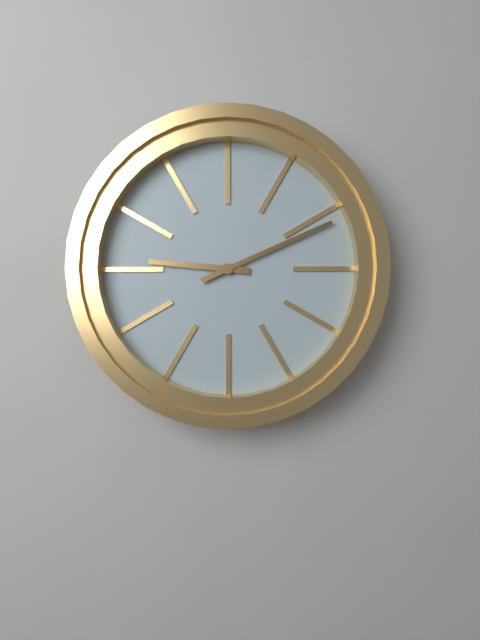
**9:11**
